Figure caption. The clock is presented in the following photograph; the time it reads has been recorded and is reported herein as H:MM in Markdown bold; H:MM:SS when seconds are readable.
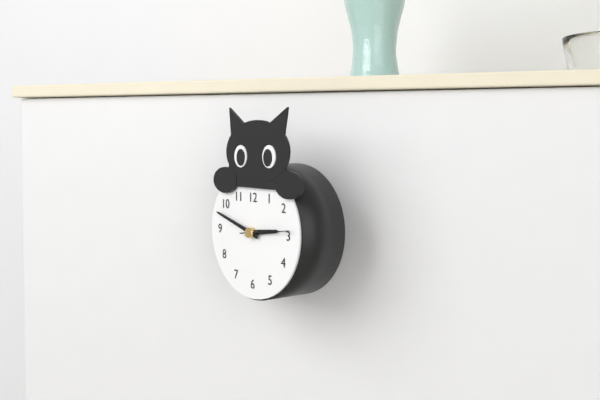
**2:48**
